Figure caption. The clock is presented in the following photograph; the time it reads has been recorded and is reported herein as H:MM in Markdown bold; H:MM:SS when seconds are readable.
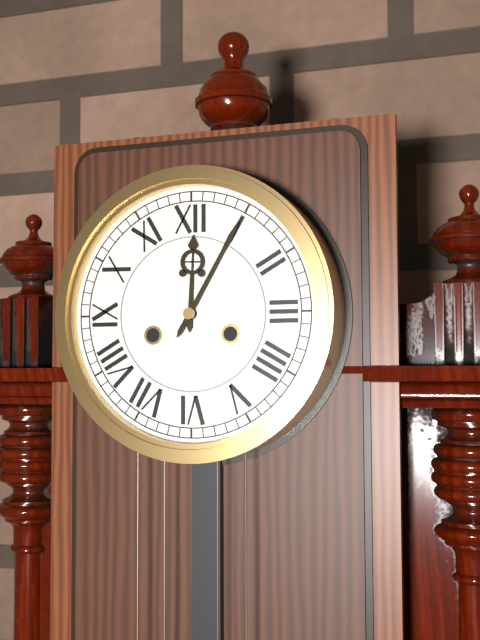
**12:05**
